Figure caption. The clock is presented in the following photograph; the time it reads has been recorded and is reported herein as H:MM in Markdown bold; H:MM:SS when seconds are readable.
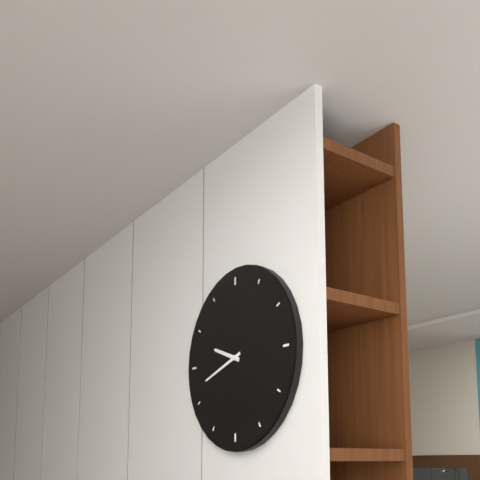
**9:42**
